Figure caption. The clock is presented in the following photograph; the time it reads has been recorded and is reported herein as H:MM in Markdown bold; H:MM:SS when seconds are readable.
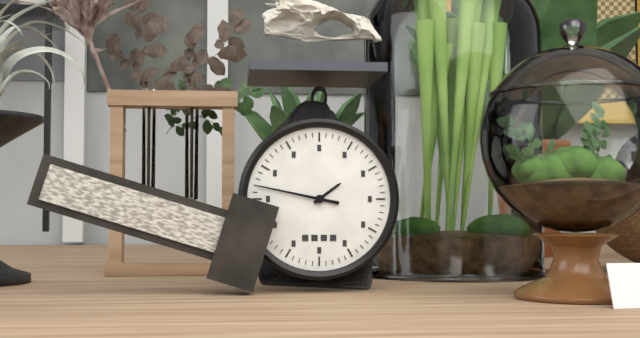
**1:47**
